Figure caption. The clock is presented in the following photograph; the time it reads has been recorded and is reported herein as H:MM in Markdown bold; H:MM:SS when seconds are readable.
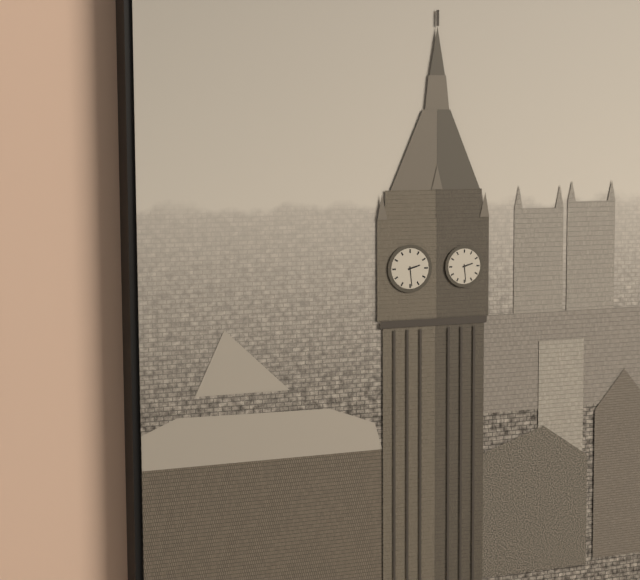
**2:29**
